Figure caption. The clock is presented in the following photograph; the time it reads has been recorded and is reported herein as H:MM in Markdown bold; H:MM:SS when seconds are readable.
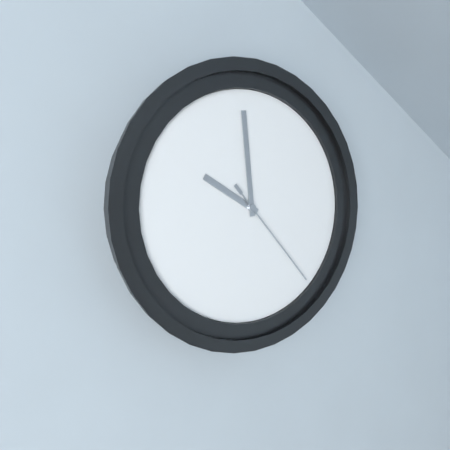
**9:59:23**
